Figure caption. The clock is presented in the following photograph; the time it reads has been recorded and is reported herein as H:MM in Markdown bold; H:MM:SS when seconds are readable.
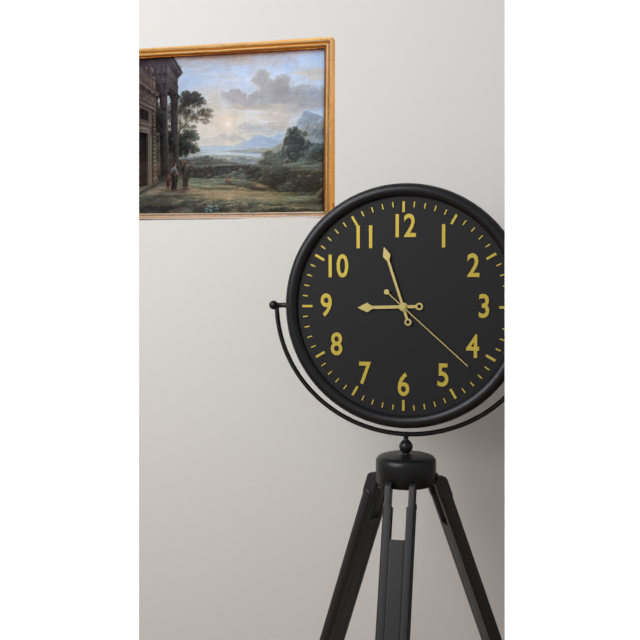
**8:57:22**
